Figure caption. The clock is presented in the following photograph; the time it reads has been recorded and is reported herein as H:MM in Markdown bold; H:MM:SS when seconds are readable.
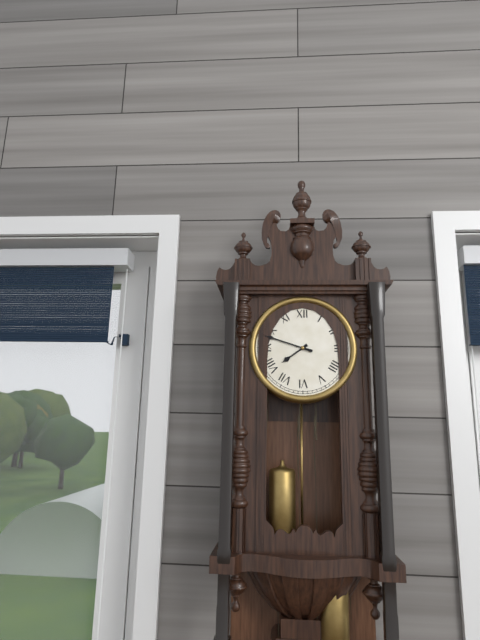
**7:48**
